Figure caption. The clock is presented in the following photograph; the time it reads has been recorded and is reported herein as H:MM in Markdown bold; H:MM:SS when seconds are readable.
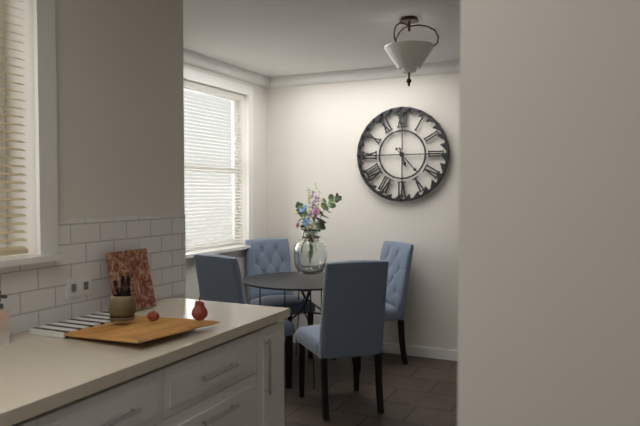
**5:23**
